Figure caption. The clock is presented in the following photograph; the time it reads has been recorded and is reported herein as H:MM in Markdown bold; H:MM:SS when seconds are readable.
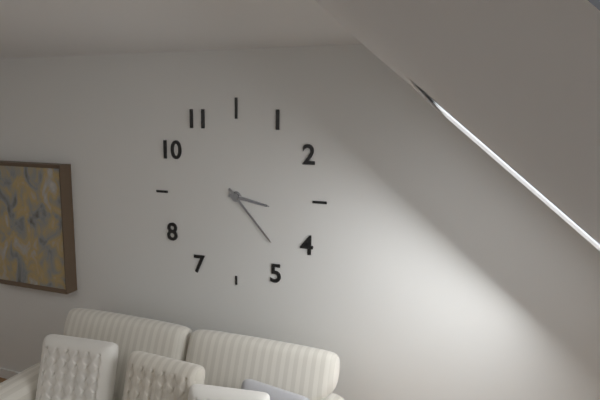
**3:23**
